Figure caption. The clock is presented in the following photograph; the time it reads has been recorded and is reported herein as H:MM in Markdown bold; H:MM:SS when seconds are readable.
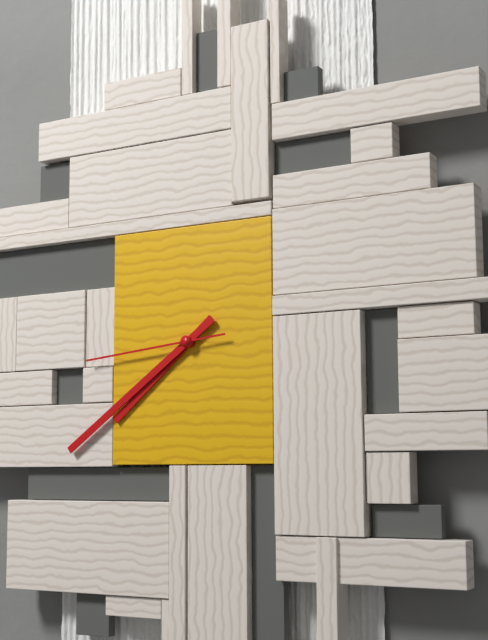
**7:39:44**
